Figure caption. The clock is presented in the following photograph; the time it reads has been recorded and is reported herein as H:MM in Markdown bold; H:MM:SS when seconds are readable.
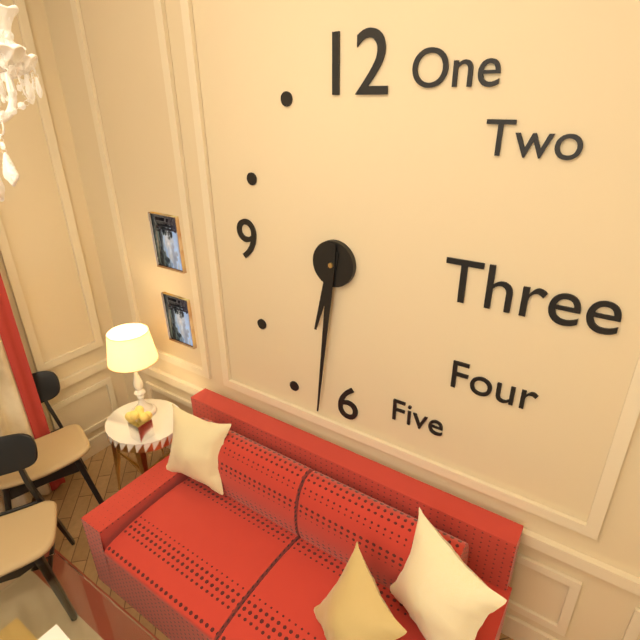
**6:31**
